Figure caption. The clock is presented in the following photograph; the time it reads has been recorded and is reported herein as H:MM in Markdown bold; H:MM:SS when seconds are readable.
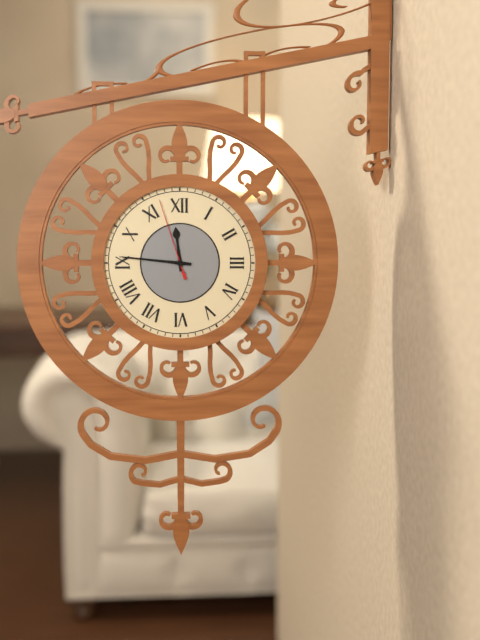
**11:46:57**
